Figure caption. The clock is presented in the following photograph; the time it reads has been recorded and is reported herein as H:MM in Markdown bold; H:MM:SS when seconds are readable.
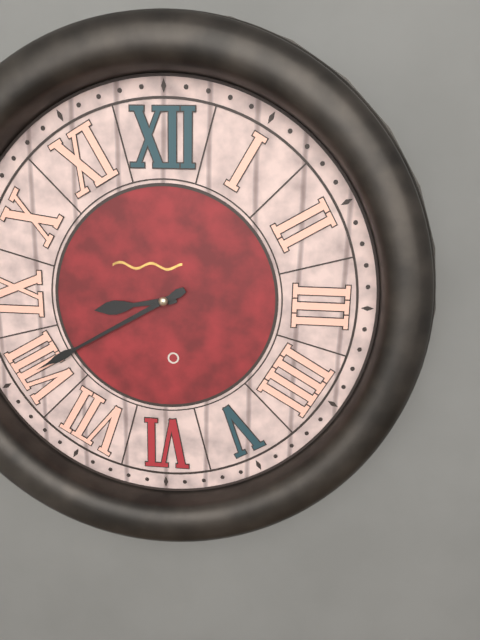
**8:40**
